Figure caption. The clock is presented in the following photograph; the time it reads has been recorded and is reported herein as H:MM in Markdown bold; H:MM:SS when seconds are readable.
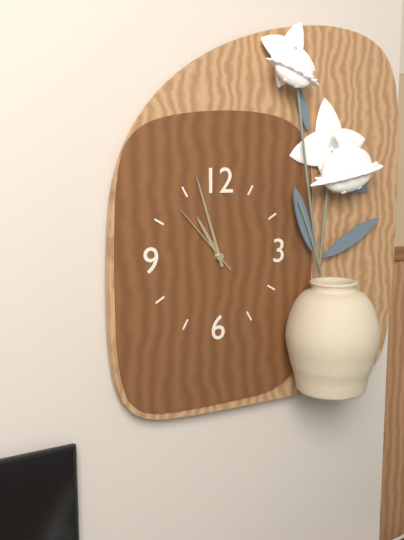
**10:57:53**
